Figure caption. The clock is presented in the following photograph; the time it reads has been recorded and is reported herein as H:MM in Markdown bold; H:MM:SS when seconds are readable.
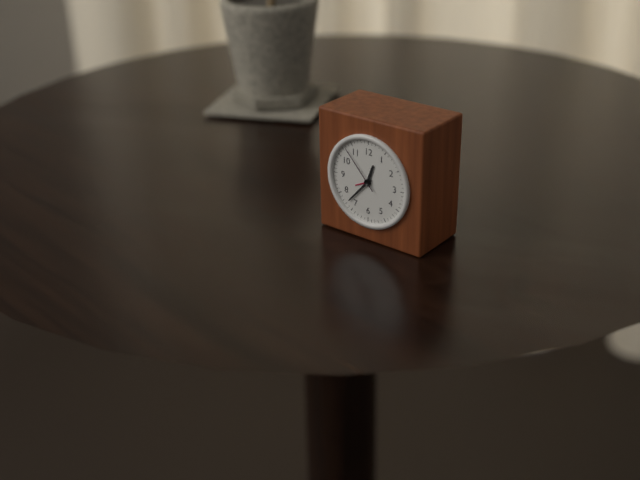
**12:37:53**
